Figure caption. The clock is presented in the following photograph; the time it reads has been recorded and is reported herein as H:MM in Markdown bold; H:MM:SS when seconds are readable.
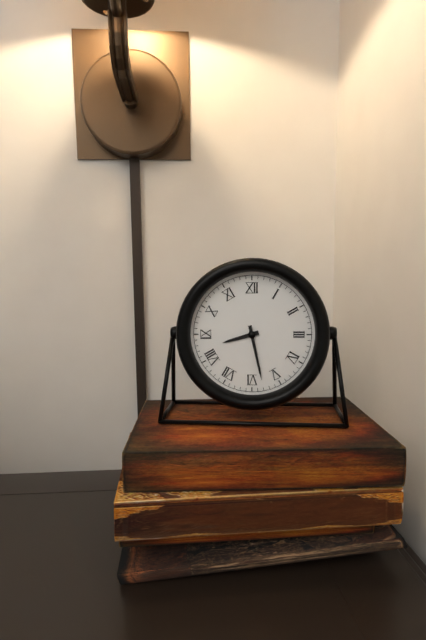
**8:28**
